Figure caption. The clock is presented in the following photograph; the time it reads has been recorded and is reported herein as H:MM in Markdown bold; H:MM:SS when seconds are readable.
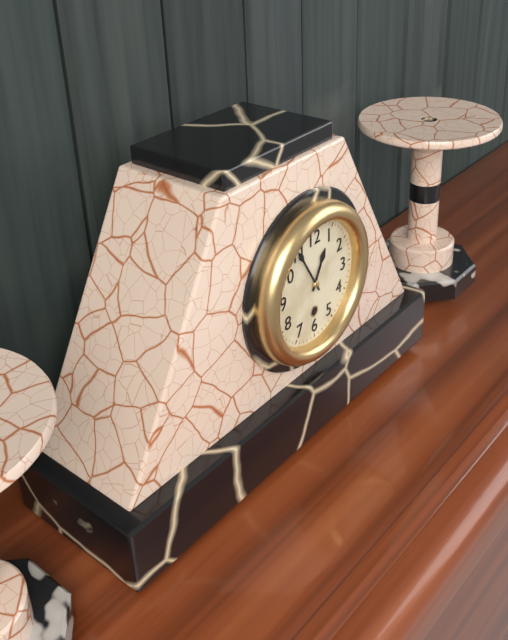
**12:55**
